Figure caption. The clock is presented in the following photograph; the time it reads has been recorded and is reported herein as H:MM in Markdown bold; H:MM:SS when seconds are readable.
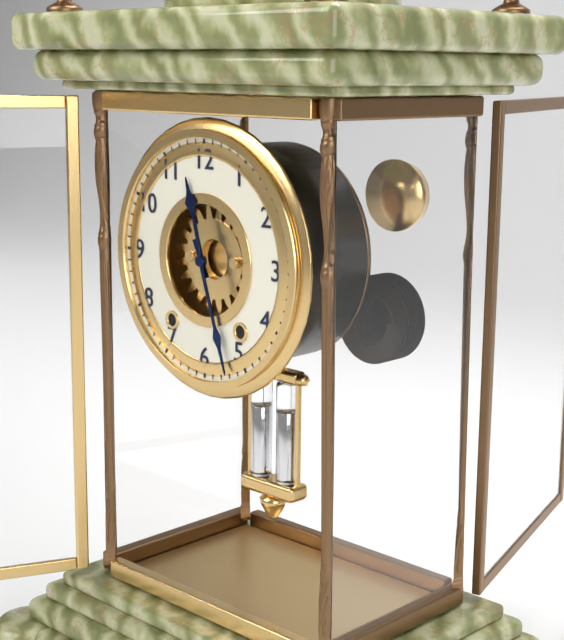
**11:27**
